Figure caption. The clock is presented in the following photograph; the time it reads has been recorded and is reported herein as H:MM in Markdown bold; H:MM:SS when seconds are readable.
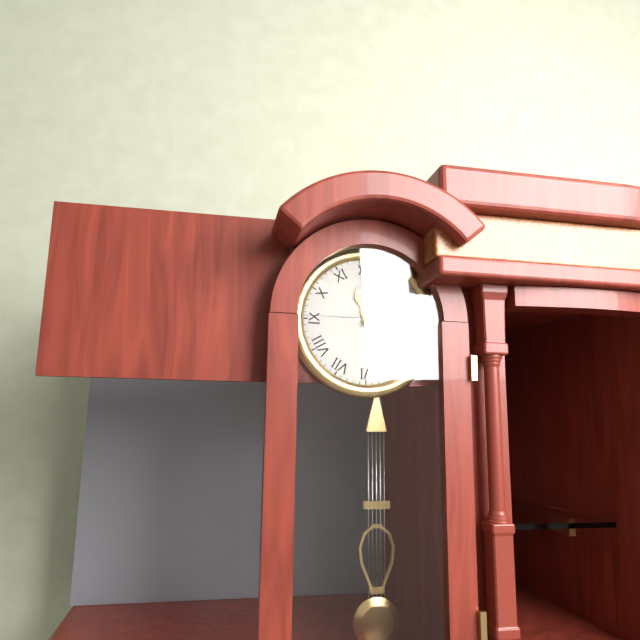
**11:25**
